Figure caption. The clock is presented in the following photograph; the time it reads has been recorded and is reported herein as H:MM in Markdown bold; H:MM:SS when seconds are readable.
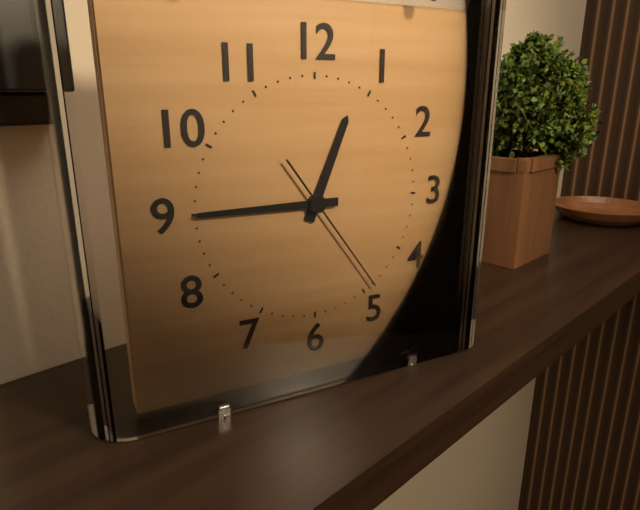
**12:45:24**
